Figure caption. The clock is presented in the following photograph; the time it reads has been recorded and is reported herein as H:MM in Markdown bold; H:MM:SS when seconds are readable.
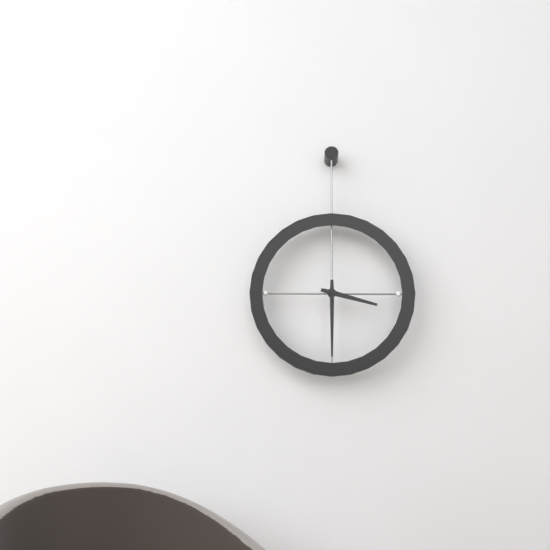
**3:30**
